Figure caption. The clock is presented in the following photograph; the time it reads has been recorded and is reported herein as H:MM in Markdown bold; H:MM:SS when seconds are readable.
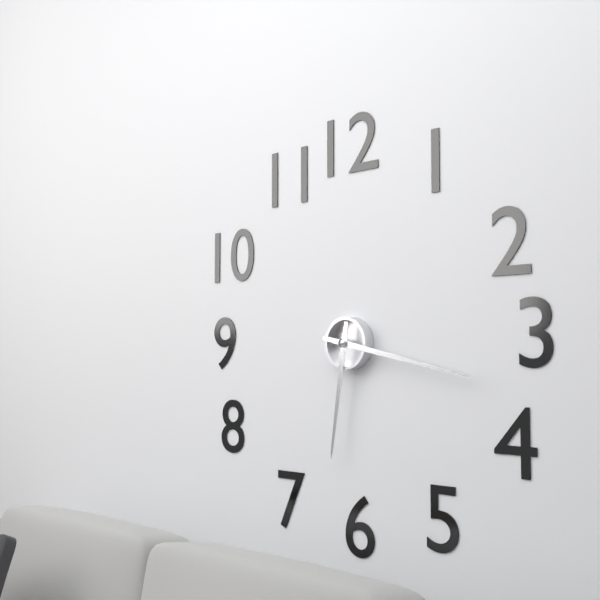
**6:17**
